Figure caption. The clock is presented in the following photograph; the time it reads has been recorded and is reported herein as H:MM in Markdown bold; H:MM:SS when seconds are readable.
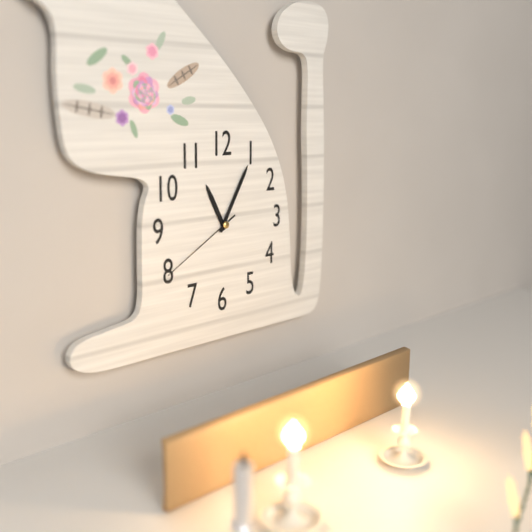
**11:05:40**
